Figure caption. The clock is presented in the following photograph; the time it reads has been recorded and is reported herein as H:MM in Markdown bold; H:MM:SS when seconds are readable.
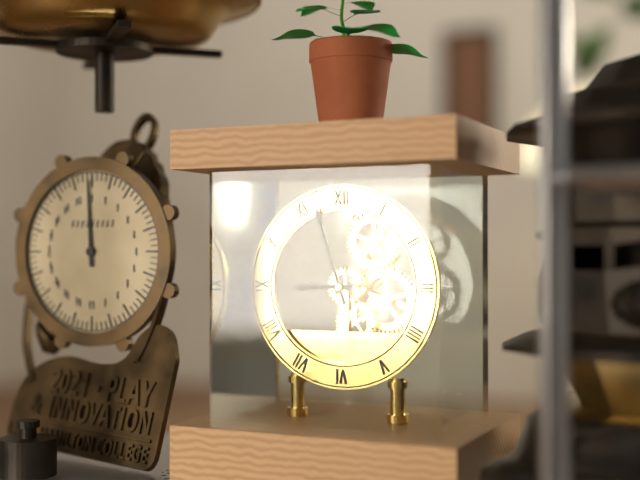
**8:57**
